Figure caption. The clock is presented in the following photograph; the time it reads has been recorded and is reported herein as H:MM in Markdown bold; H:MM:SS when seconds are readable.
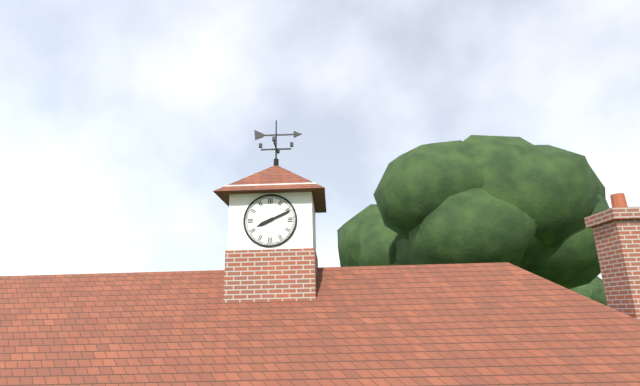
**8:11**
